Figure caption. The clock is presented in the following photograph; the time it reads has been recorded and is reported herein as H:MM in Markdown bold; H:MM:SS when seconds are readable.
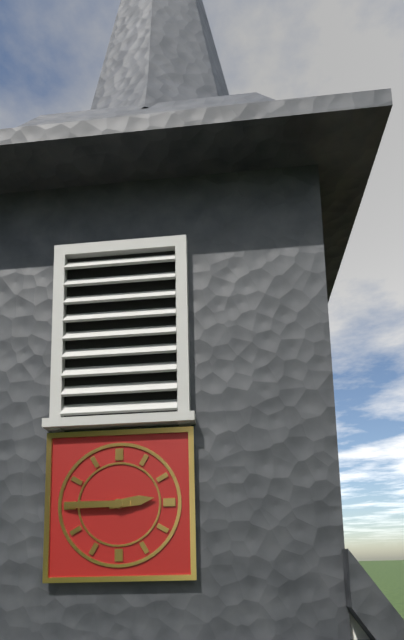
**2:45**
